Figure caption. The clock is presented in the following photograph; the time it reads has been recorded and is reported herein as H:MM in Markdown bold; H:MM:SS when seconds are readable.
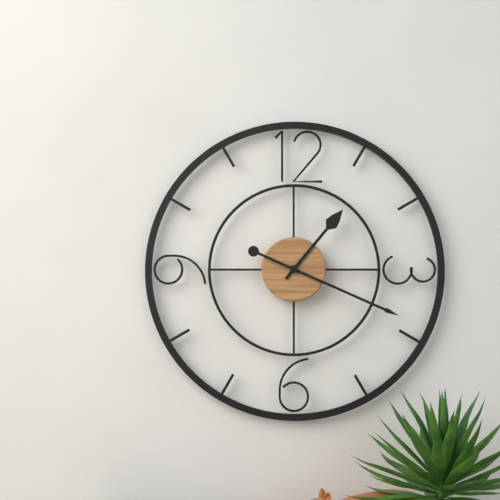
**1:19**
